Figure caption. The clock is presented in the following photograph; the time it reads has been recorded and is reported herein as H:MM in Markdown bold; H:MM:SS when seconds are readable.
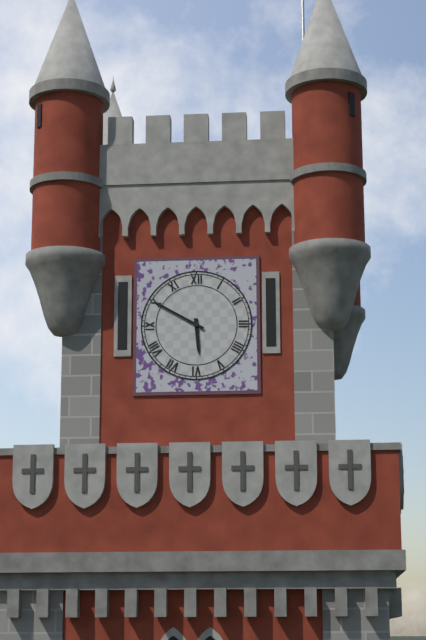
**5:50**
